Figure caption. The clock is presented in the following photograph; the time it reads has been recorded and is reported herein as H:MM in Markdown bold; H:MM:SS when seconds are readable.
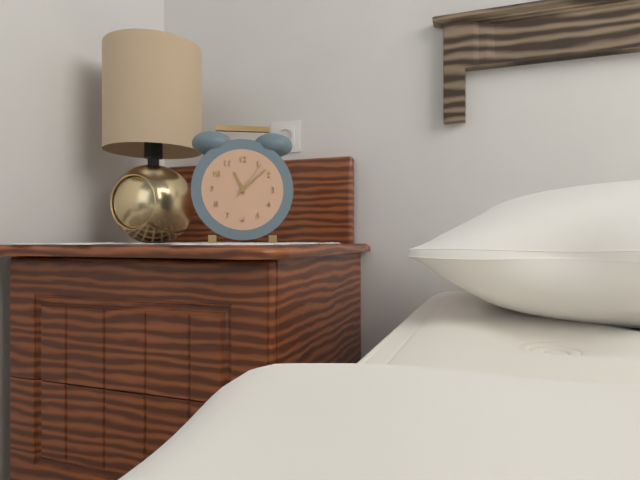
**11:08**
